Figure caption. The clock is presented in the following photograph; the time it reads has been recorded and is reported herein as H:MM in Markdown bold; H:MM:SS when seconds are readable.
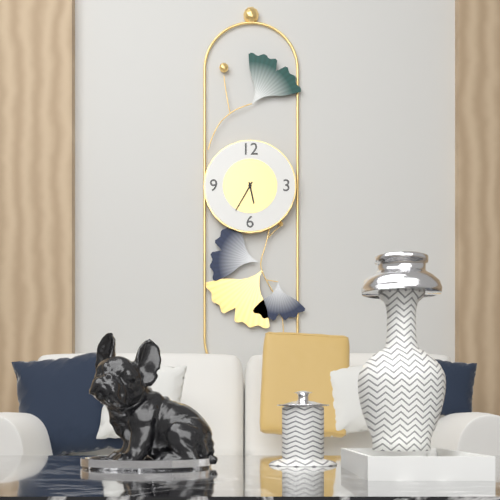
**5:35**
